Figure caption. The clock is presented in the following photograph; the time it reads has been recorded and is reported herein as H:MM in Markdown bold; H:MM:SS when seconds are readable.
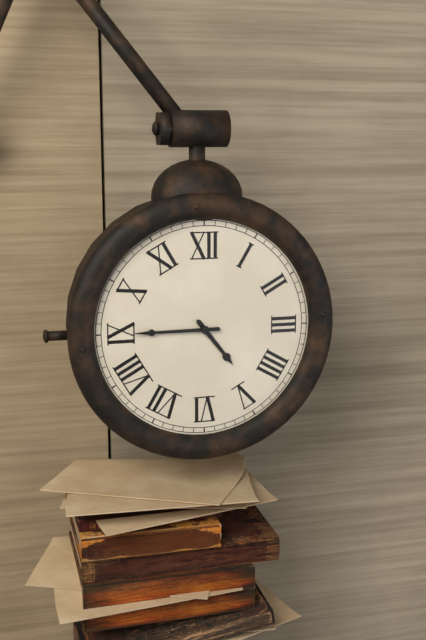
**4:45**
